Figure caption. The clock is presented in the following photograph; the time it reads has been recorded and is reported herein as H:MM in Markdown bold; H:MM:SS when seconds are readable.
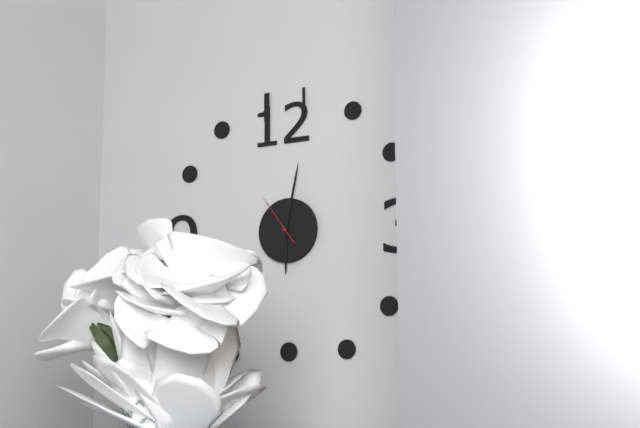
**6:02**
